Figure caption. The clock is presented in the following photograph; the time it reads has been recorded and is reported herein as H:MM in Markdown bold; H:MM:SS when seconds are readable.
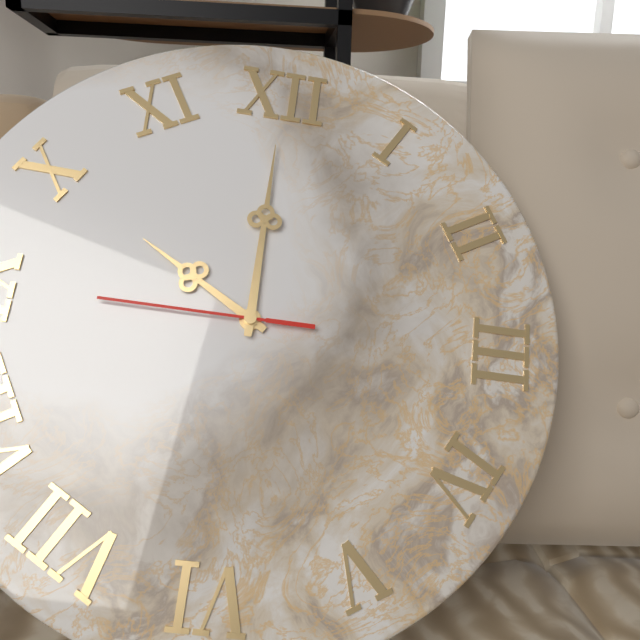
**10:00:45**
